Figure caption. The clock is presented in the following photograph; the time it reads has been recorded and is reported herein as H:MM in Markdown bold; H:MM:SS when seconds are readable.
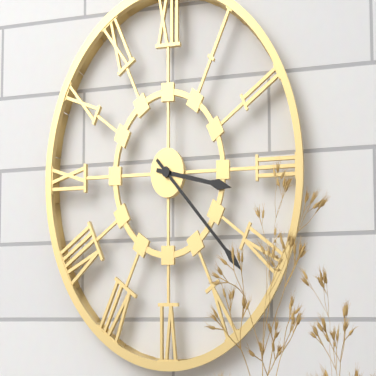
**3:22**
